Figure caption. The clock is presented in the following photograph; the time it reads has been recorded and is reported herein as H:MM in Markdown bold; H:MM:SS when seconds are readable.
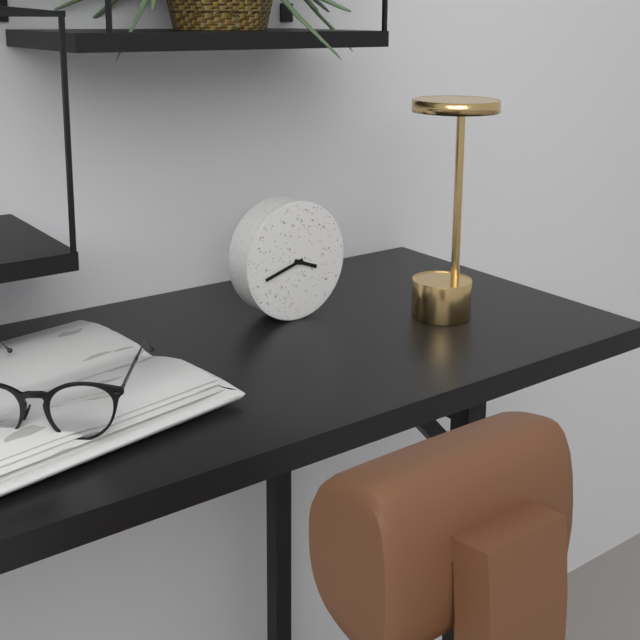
**3:42**
